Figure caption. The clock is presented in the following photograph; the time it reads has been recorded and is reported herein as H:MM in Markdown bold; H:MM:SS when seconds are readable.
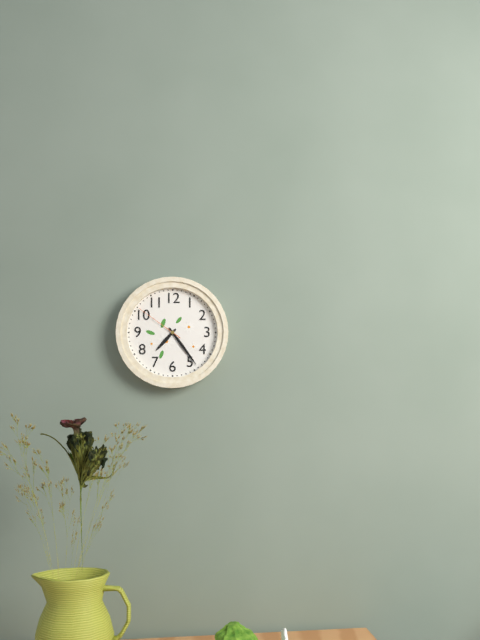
**7:24:51**
